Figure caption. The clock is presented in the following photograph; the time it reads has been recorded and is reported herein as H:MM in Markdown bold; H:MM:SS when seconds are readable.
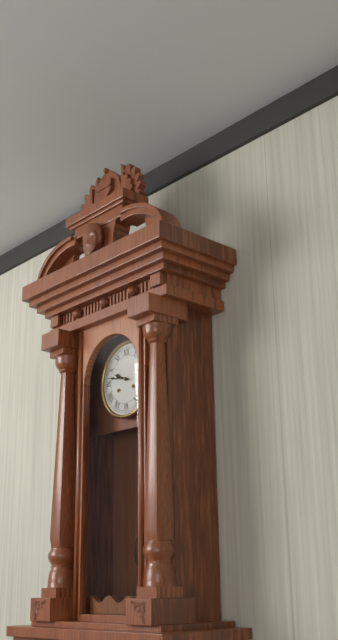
**9:47**
